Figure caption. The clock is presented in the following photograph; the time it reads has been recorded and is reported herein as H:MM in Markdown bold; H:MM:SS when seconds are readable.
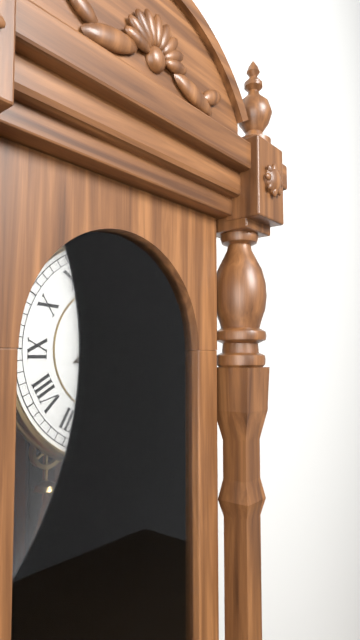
**8:25**
